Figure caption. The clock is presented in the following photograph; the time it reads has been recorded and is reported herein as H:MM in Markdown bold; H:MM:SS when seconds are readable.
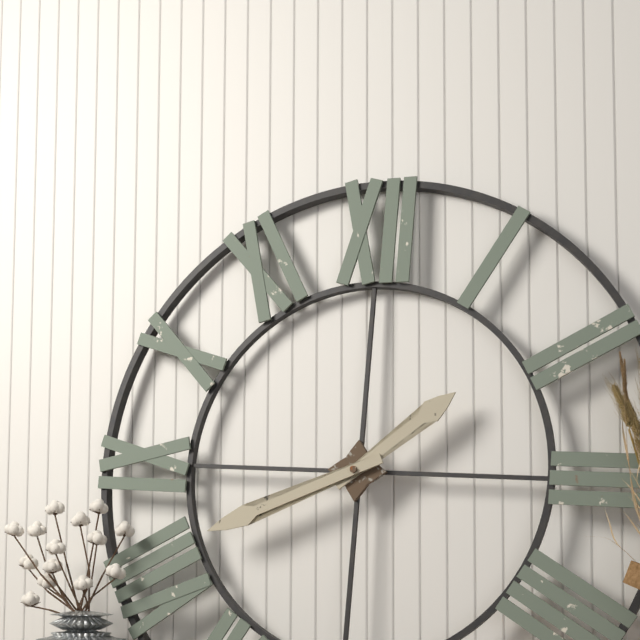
**1:41**
